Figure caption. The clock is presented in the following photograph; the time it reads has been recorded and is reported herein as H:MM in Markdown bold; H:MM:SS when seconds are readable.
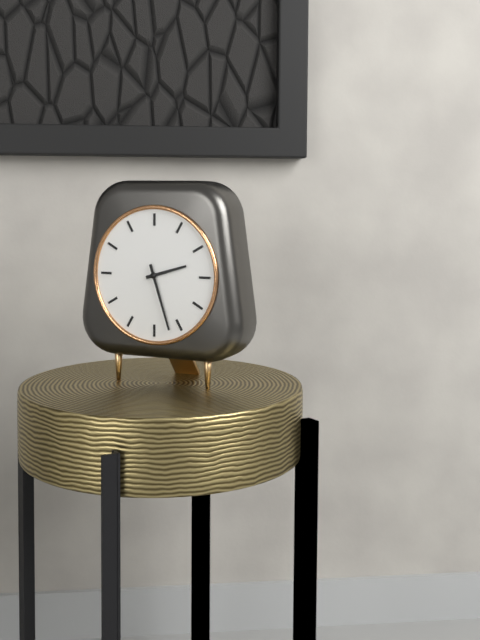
**2:27**
